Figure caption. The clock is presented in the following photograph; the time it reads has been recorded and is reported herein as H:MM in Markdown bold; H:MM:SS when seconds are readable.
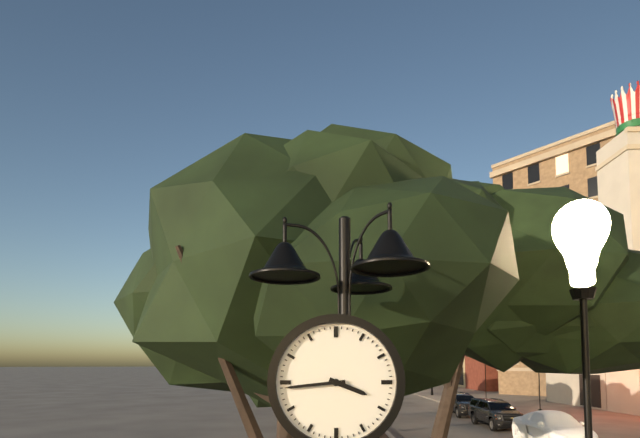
**3:44**
